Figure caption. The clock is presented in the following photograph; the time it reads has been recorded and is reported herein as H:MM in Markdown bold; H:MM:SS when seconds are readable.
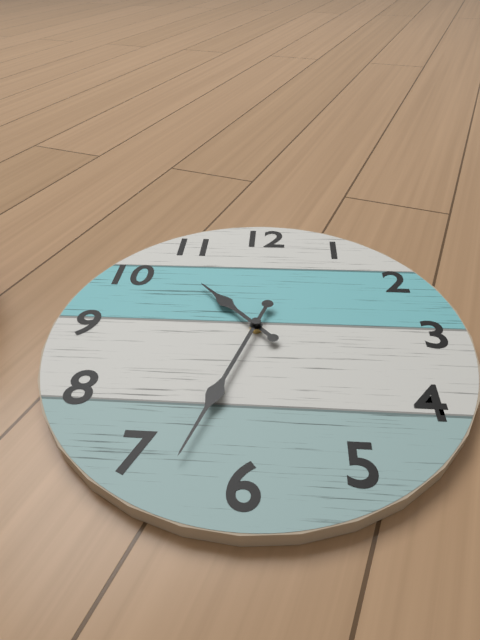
**10:33**
